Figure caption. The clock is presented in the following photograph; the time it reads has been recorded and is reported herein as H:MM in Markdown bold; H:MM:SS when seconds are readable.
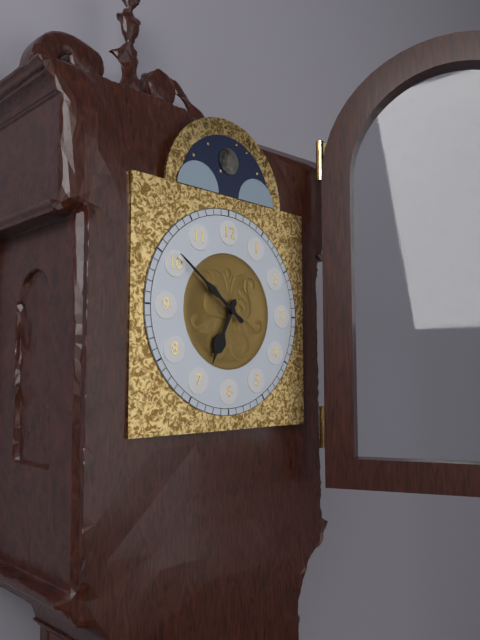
**6:51**
